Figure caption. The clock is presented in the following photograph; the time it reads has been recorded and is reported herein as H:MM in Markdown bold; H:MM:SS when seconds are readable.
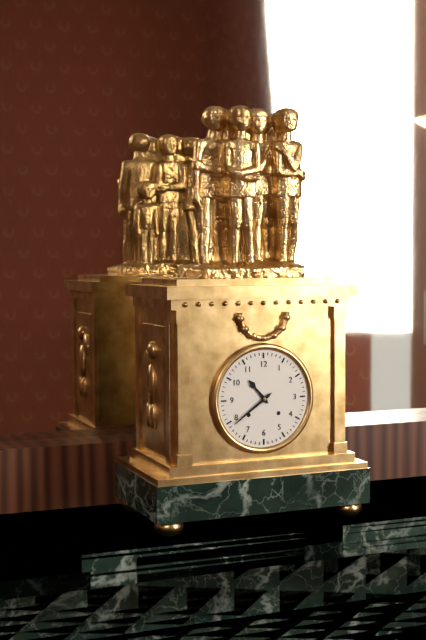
**10:39**
